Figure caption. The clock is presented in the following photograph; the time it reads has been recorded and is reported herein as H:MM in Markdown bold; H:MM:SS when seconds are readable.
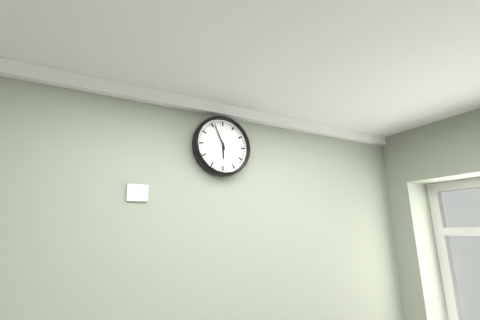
**5:56**
